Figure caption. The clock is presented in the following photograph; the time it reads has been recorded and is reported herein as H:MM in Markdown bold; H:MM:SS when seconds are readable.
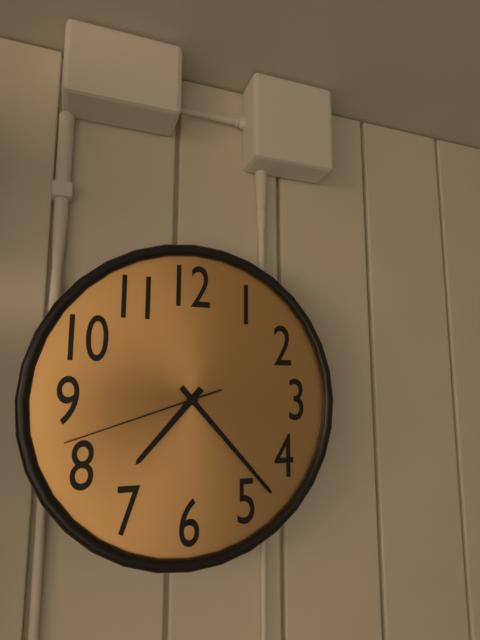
**7:23:42**
